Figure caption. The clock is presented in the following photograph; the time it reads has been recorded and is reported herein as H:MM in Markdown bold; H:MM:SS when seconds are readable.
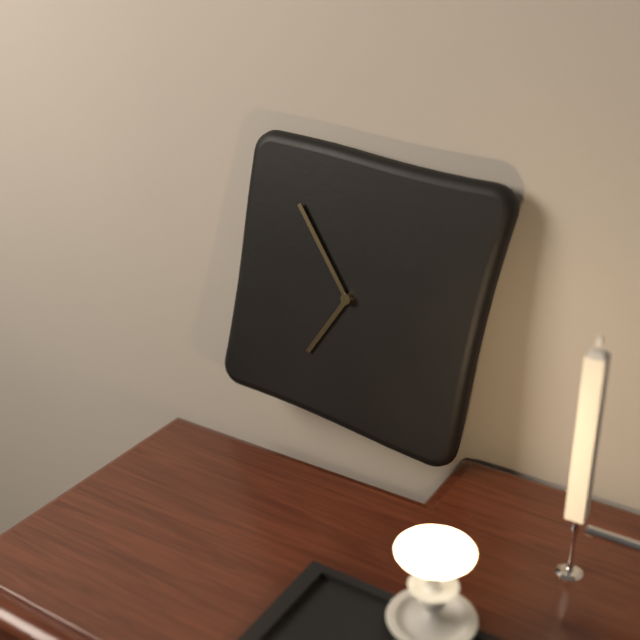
**6:53**
